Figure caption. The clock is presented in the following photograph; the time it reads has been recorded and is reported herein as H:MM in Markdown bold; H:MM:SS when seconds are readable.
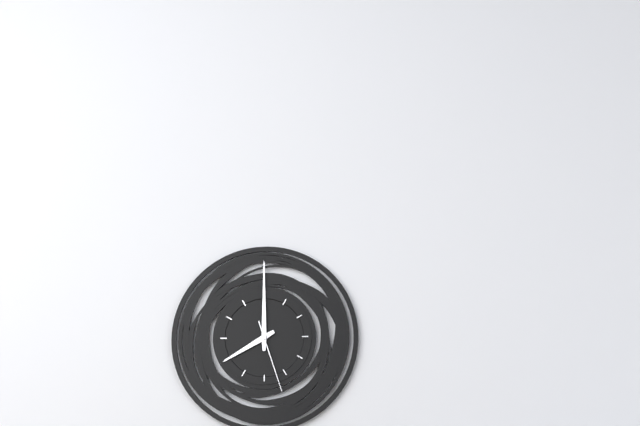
**8:00:27**
